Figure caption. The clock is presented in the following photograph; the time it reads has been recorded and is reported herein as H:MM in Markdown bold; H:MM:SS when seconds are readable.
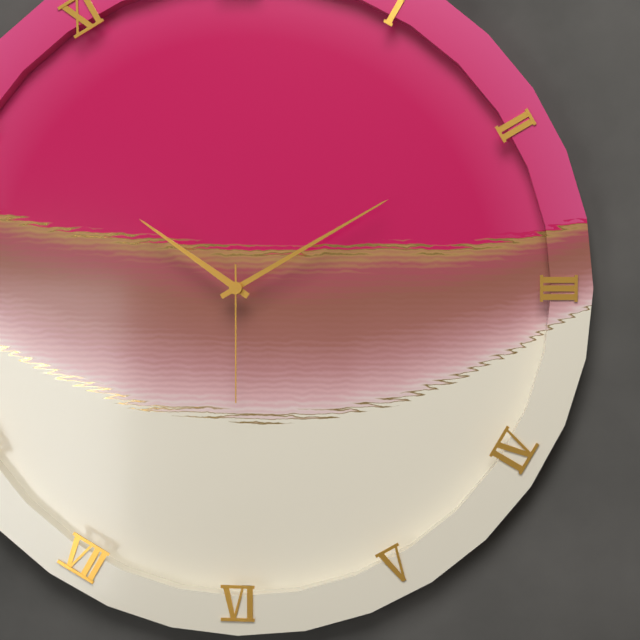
**10:10:30**
